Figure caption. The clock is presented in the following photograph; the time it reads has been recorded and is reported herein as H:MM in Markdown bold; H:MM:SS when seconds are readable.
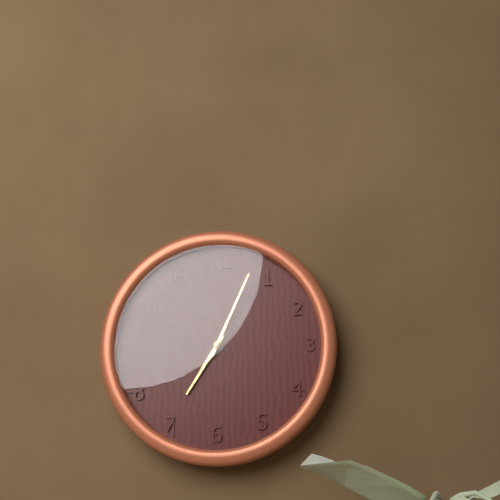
**7:04**
